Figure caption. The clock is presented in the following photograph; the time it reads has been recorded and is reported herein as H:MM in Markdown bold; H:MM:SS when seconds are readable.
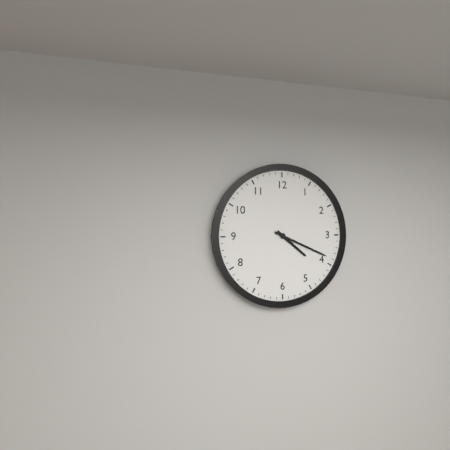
**4:19**
